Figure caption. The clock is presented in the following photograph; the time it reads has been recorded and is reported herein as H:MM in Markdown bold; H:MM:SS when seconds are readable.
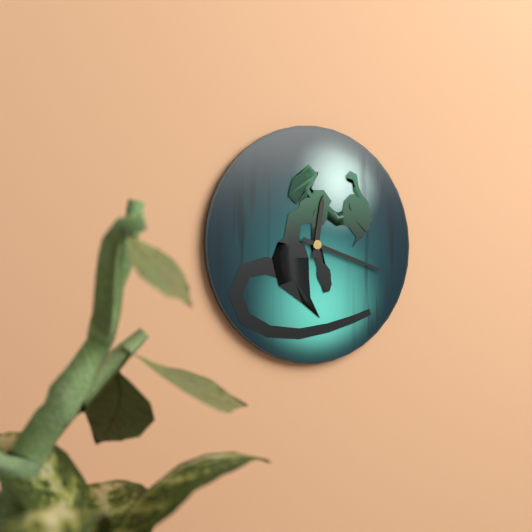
**12:18**
